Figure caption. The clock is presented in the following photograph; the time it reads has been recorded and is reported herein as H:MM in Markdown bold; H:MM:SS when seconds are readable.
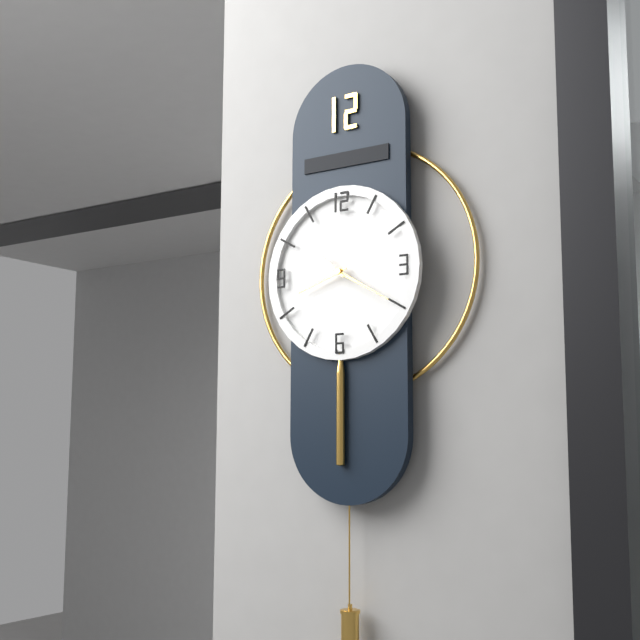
**8:20**
